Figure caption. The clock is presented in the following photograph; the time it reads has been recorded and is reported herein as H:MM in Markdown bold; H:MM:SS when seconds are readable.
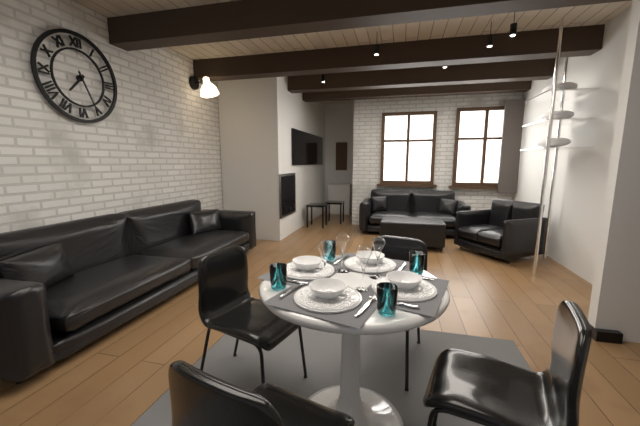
**7:26**
